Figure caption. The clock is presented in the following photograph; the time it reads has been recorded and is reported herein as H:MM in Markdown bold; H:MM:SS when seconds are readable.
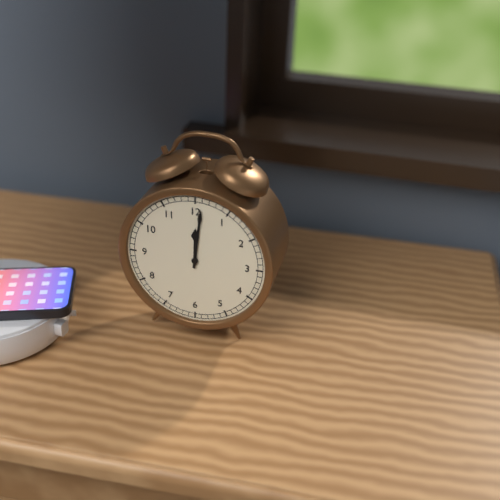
**12:01**
